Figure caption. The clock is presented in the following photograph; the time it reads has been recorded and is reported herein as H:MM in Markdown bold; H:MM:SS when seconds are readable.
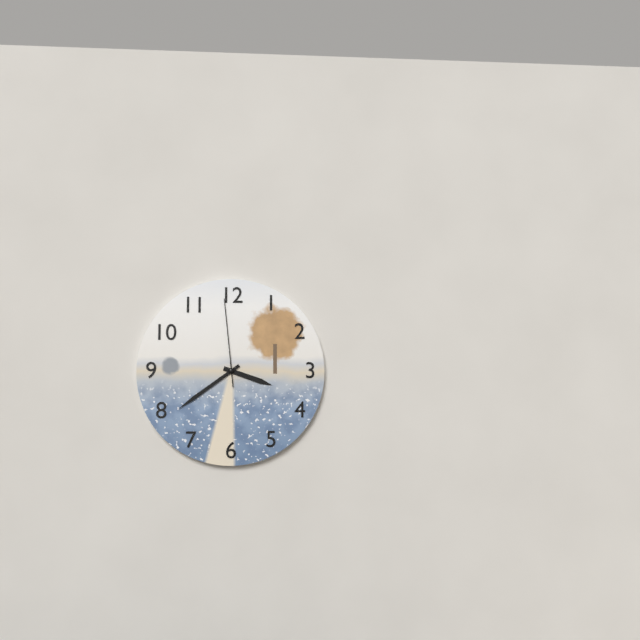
**3:39:59**
